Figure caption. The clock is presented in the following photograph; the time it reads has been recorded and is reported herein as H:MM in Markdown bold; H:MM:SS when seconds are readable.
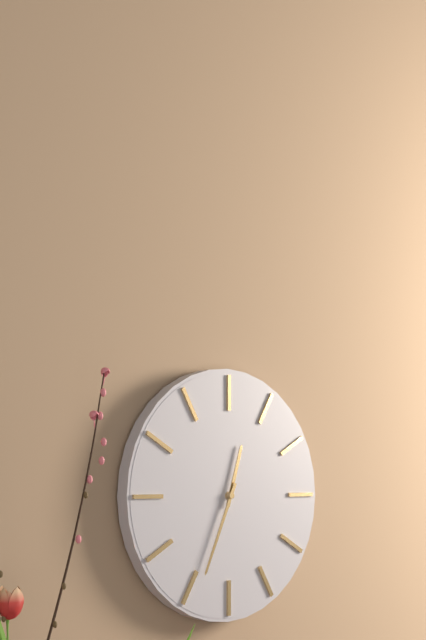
**12:34**
